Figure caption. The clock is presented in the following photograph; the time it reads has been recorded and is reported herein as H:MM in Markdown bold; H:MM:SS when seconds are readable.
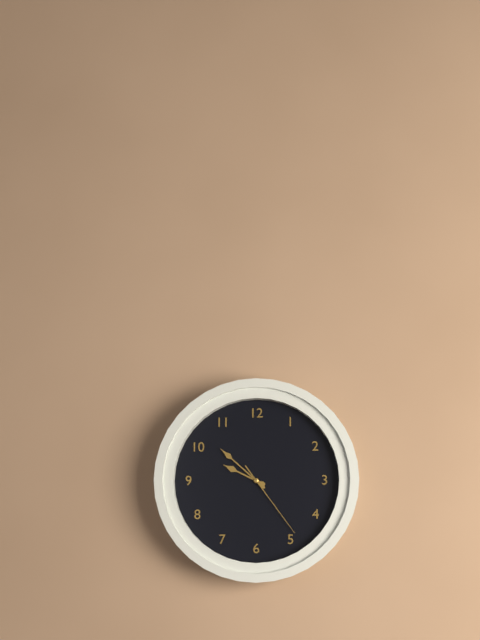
**9:52:24**
